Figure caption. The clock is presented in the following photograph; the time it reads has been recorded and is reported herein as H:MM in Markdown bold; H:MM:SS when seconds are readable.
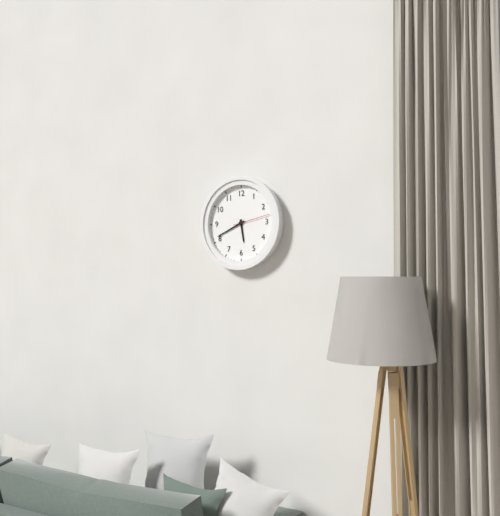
**5:41**
